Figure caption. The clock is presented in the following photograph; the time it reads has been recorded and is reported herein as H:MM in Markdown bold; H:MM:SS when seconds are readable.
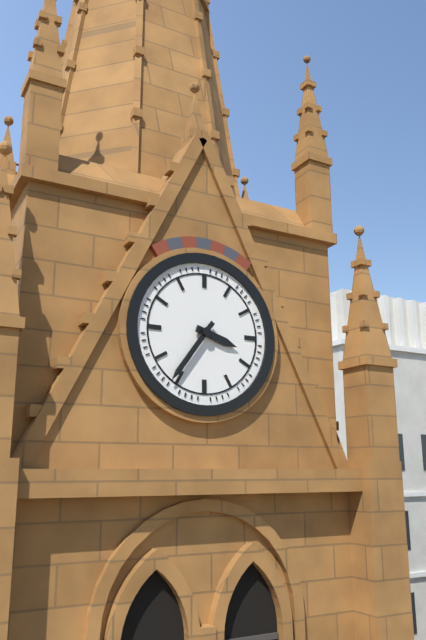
**3:36**
